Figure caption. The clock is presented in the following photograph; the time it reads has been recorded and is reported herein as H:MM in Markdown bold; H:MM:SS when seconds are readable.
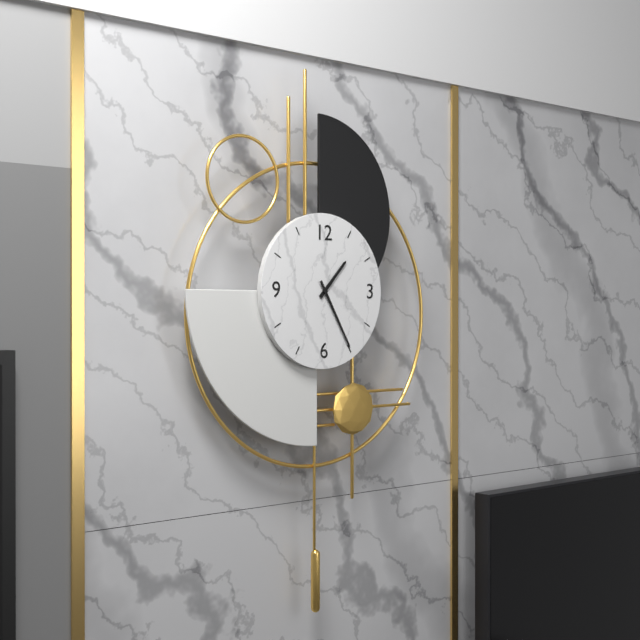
**1:25**
